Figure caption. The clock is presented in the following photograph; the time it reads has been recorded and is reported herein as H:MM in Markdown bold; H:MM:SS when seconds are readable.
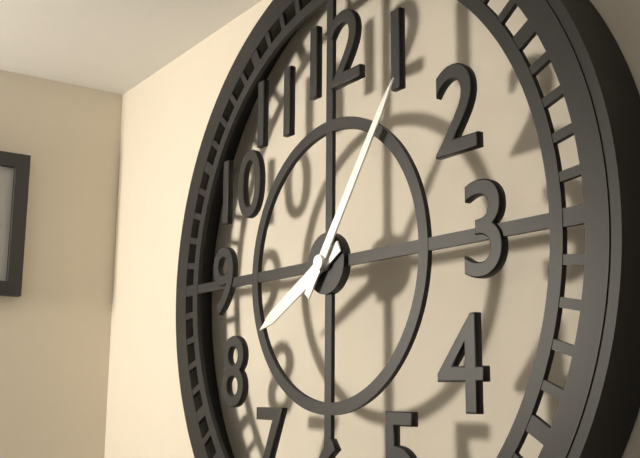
**8:06**
